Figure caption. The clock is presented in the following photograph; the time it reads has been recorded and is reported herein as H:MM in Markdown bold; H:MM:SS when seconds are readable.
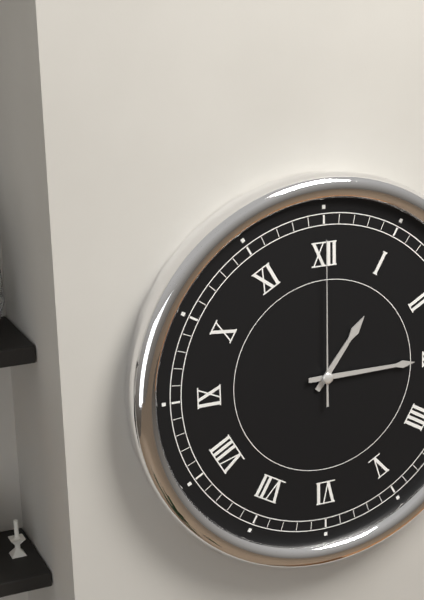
**1:15:00**
